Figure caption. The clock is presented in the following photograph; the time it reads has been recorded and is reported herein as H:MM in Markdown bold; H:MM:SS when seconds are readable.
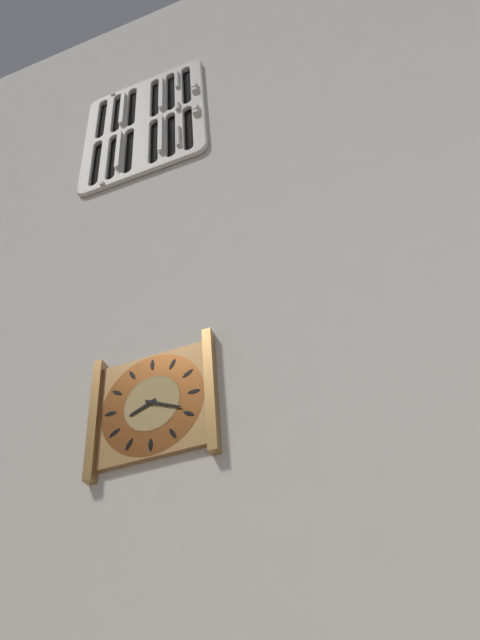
**8:19**
